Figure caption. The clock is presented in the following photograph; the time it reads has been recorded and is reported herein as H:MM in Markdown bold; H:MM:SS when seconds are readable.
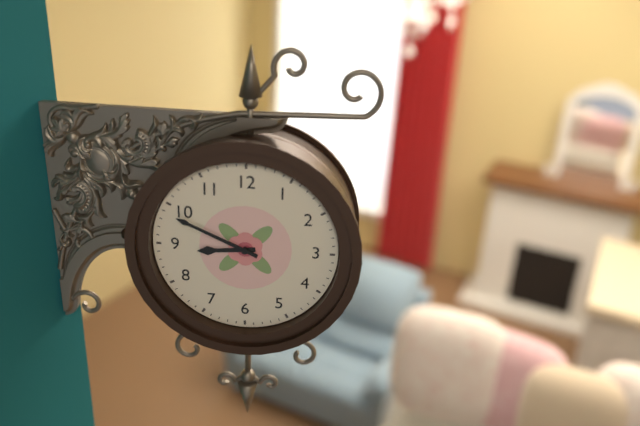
**8:49**
